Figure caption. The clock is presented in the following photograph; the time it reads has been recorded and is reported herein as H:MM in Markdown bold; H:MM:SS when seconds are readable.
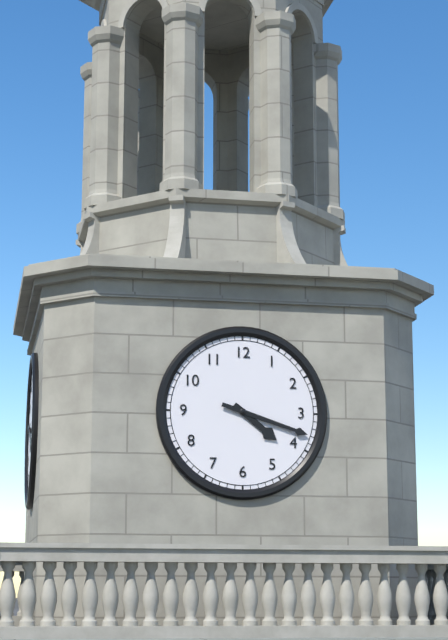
**4:18**
